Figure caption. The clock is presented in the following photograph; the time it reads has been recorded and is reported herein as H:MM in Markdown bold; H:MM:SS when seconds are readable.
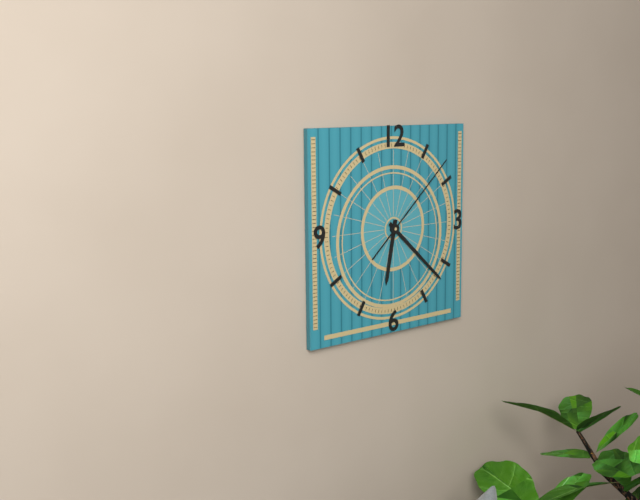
**6:22:08**
